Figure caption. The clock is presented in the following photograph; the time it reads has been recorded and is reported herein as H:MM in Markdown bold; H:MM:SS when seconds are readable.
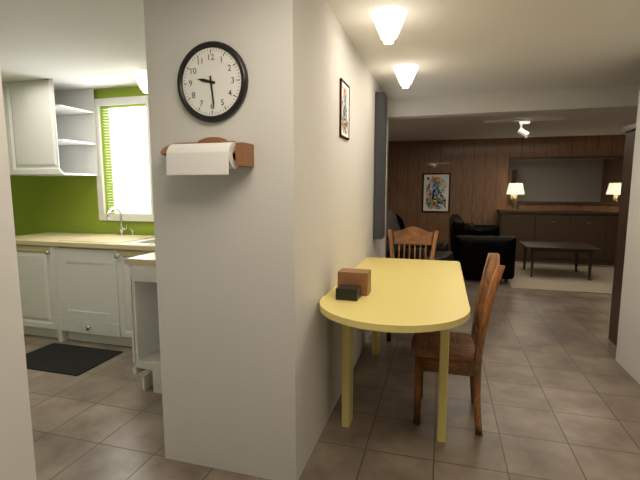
**9:29**
